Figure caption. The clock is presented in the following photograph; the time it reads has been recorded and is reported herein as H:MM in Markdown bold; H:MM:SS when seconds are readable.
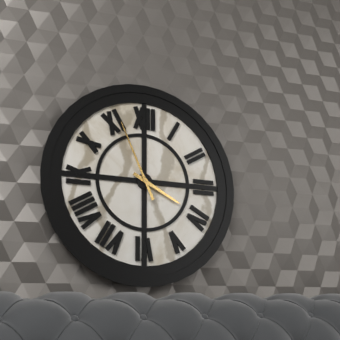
**3:56**
